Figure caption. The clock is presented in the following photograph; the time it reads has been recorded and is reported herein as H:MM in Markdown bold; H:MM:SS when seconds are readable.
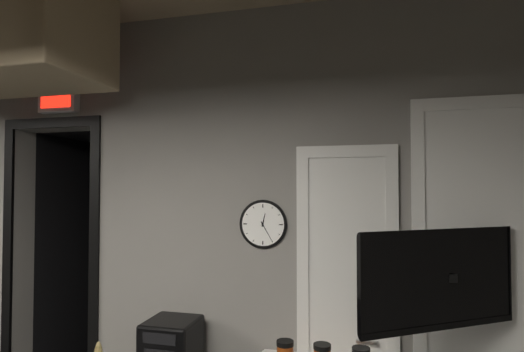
**12:25**
